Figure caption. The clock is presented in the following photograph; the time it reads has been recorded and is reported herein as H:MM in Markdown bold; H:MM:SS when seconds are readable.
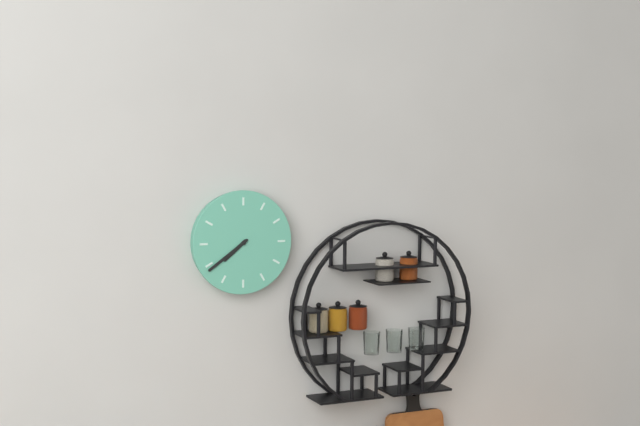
**7:39**
